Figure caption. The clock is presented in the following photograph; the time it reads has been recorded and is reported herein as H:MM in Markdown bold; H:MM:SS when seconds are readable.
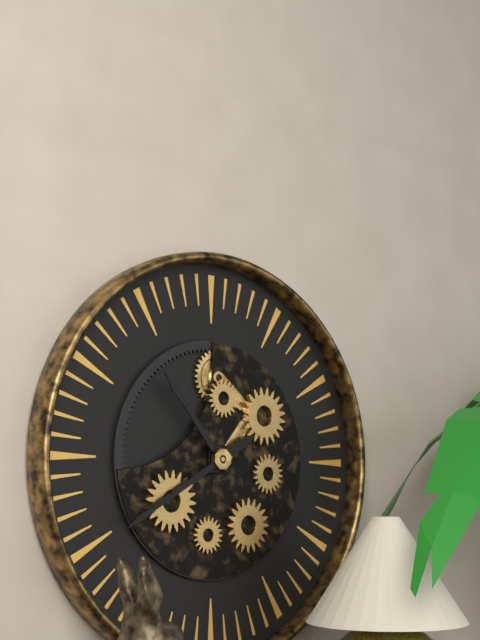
**10:40**
